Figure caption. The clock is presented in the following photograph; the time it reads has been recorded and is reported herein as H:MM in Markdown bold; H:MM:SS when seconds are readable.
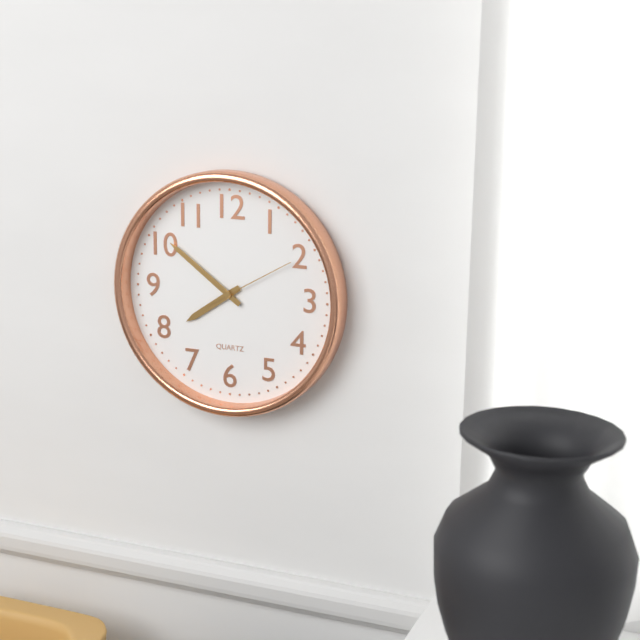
**7:51:10**
